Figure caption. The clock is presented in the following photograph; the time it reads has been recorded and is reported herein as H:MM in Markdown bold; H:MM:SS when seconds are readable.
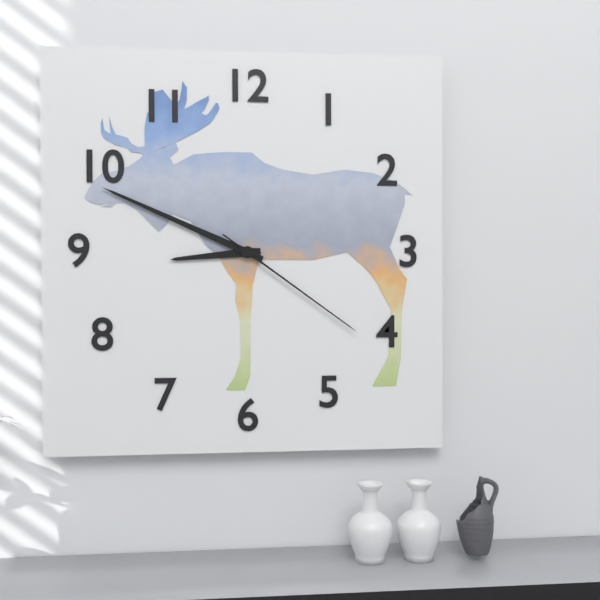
**8:49:21**
